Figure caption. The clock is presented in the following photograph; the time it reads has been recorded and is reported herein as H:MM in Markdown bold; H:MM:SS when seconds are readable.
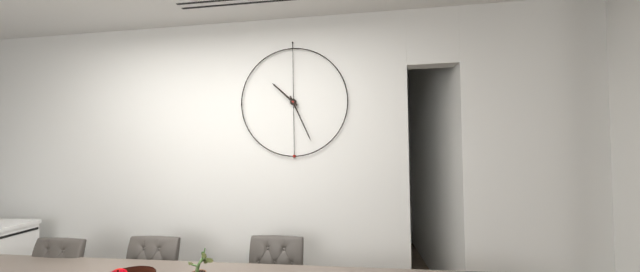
**10:26**
